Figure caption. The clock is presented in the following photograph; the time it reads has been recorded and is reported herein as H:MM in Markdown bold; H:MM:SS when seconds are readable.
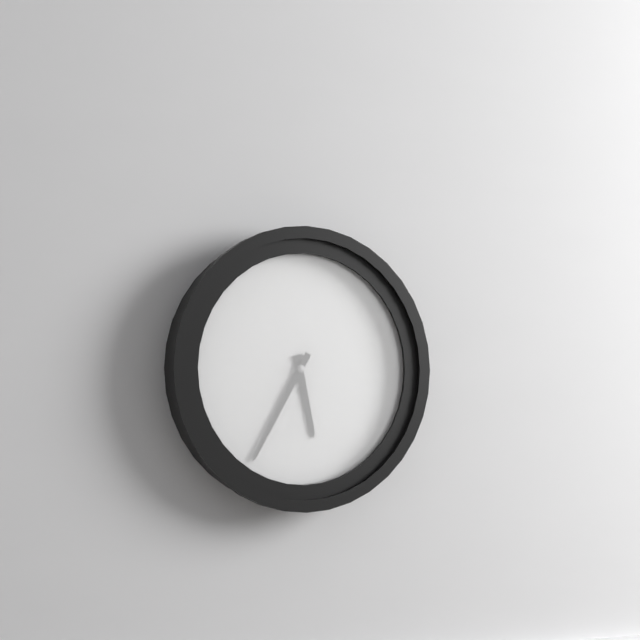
**5:35**
